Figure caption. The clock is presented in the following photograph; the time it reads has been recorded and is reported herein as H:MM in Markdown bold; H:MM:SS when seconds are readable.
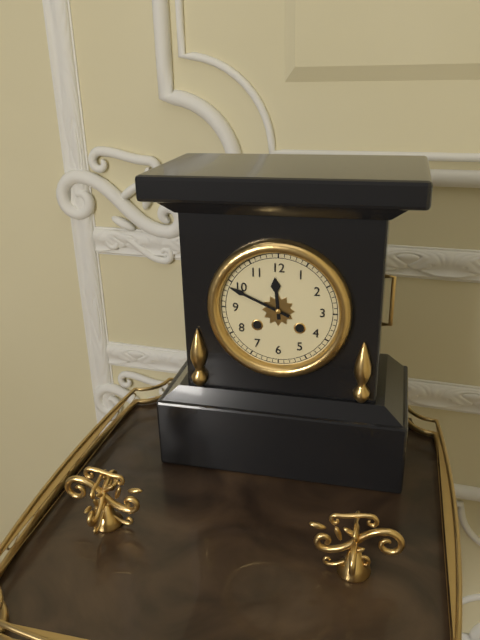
**11:49**
